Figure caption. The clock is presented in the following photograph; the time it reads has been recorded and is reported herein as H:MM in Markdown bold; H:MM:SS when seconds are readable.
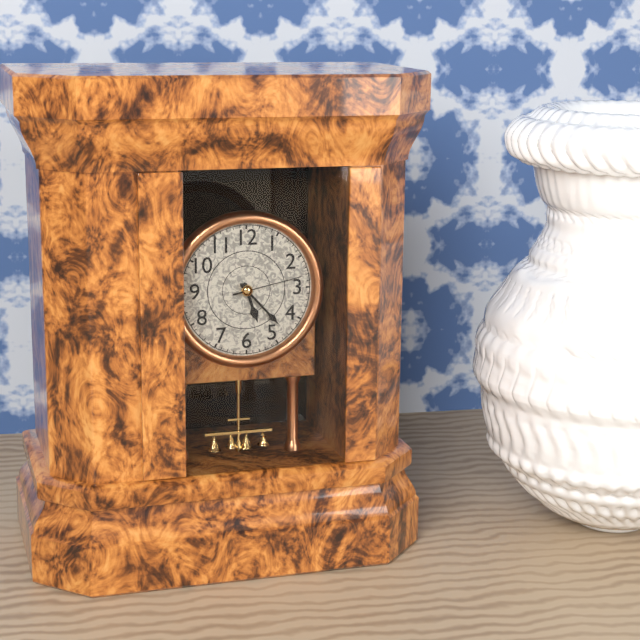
**5:23:13**
